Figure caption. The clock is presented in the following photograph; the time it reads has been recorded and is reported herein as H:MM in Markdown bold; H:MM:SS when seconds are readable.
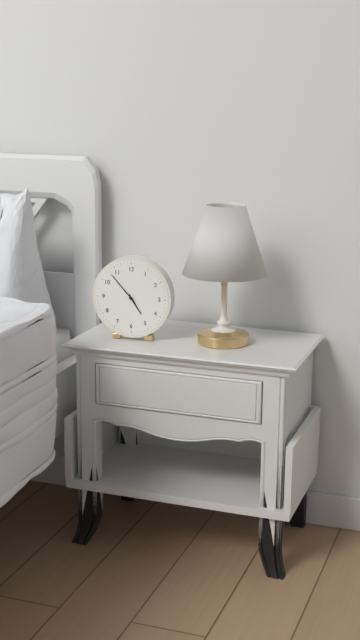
**4:53**
